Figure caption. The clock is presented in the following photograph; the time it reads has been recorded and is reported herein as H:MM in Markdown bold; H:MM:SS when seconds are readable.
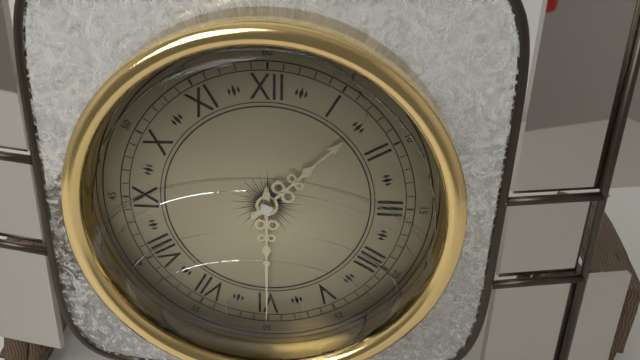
**1:30**
